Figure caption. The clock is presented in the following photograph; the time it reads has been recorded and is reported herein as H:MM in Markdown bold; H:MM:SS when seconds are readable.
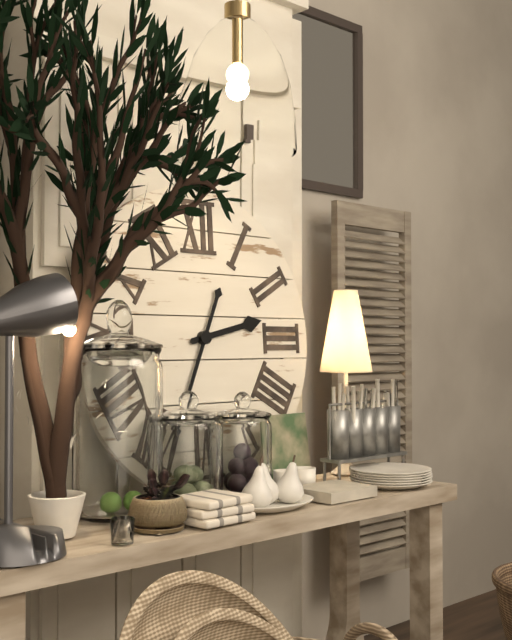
**2:34**
